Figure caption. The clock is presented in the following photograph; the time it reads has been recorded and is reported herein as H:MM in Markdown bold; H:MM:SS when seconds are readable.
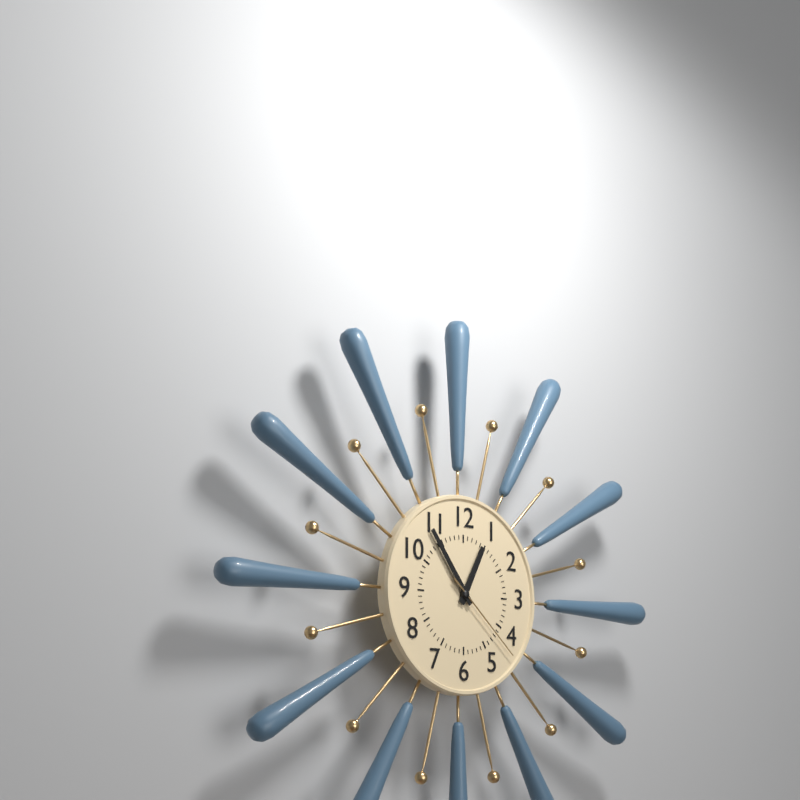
**12:54:22**
